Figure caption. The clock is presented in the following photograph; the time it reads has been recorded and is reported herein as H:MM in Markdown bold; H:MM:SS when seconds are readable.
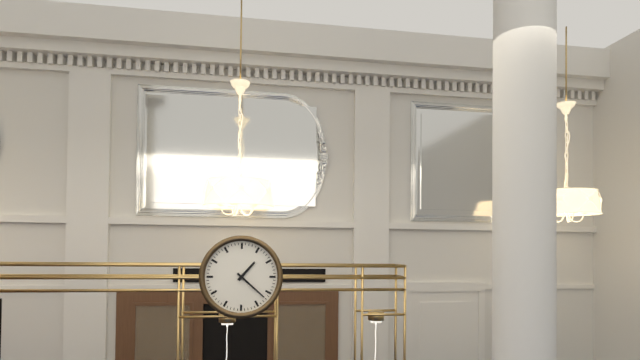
**1:22**
